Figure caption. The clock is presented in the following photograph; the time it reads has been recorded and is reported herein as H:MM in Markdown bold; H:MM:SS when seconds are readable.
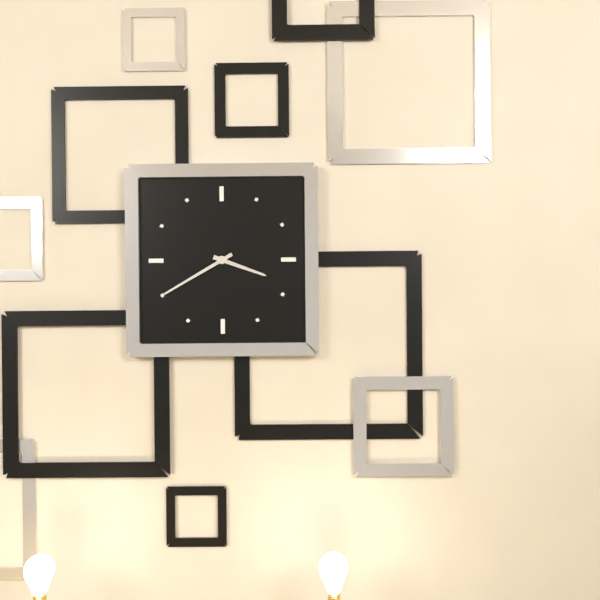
**3:40**
